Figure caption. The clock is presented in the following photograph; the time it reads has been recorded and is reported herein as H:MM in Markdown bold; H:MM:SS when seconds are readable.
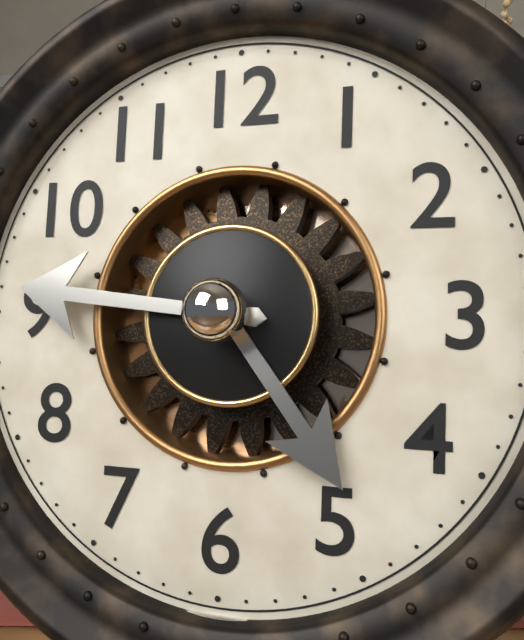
**4:46**
